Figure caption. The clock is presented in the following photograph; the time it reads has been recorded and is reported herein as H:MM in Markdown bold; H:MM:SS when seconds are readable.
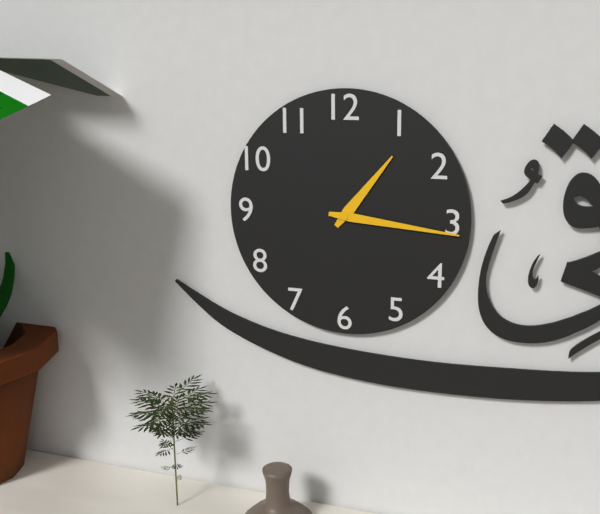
**1:16**
